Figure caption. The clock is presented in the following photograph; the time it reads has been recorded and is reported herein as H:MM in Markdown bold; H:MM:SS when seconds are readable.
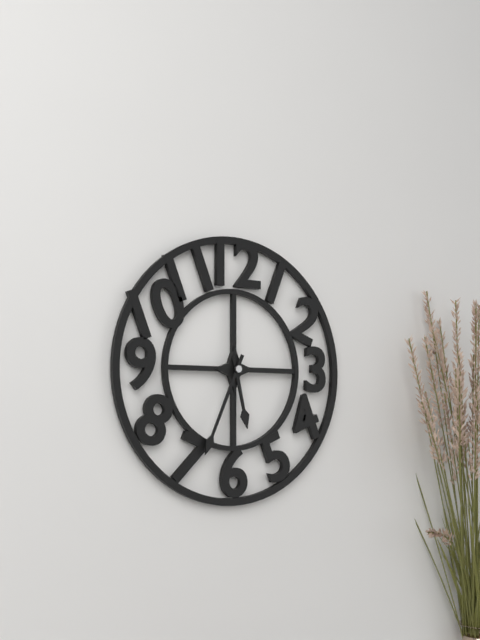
**5:34**
